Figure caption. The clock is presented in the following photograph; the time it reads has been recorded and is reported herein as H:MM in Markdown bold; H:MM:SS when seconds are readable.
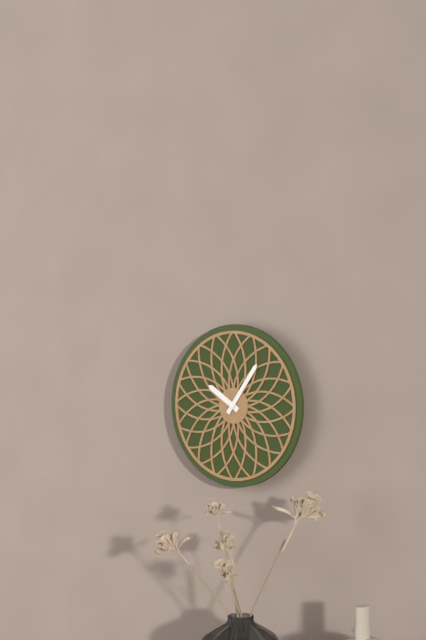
**10:06**
